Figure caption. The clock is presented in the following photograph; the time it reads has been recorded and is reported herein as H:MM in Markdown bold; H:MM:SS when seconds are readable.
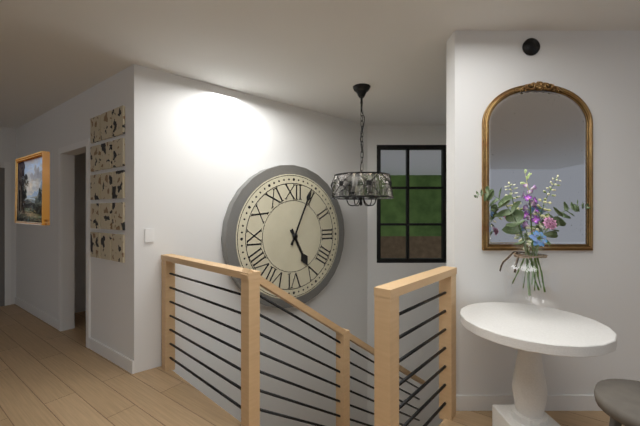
**5:04**
